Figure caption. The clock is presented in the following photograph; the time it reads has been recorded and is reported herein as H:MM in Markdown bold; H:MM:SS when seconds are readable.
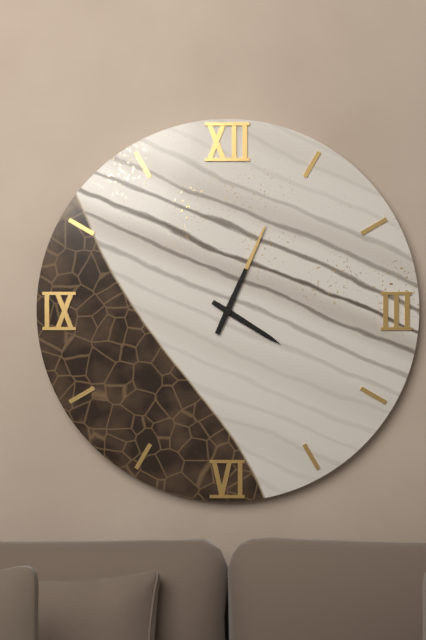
**4:04**
